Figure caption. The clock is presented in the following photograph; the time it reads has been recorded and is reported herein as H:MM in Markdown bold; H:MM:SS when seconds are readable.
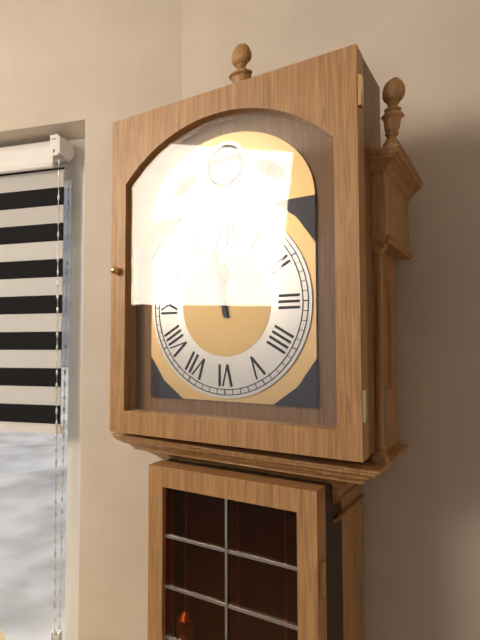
**11:58**
